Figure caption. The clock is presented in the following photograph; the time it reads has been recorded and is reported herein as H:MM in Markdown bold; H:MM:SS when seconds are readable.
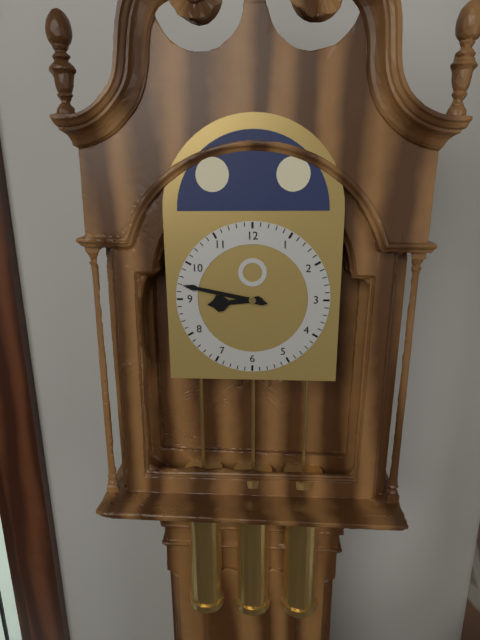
**8:47**
